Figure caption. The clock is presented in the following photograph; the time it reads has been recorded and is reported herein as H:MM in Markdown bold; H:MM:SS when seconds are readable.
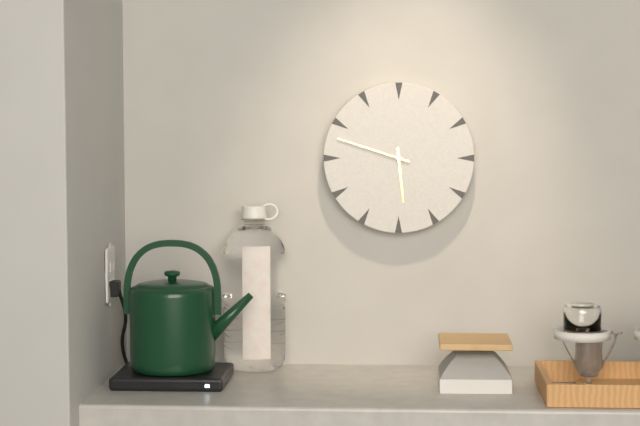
**5:48**
